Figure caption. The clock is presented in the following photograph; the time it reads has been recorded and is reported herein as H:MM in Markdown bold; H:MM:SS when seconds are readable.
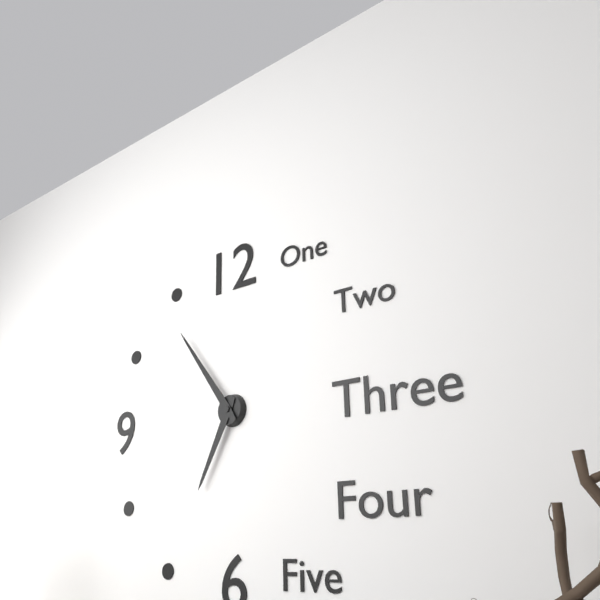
**6:54**
